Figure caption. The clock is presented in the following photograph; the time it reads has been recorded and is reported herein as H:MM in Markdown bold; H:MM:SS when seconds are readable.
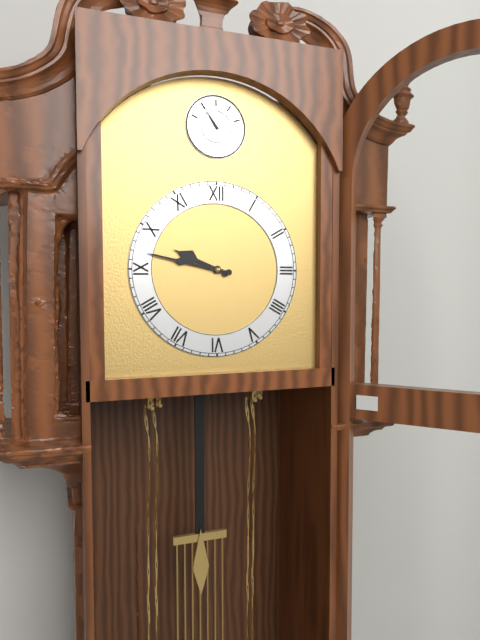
**9:47**
